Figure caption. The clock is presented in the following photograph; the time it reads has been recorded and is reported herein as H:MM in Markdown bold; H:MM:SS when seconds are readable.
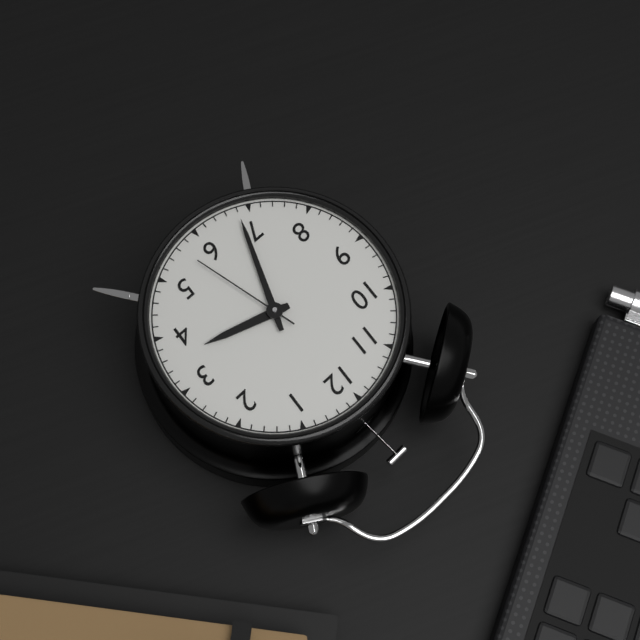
**3:34:28**
